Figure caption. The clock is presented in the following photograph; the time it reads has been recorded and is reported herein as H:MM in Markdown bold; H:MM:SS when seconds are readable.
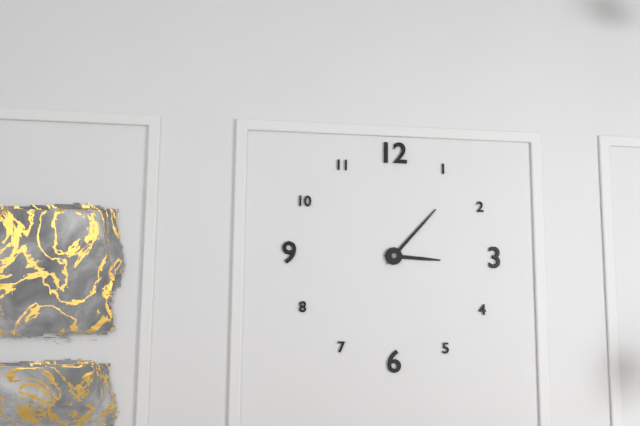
**3:07**
